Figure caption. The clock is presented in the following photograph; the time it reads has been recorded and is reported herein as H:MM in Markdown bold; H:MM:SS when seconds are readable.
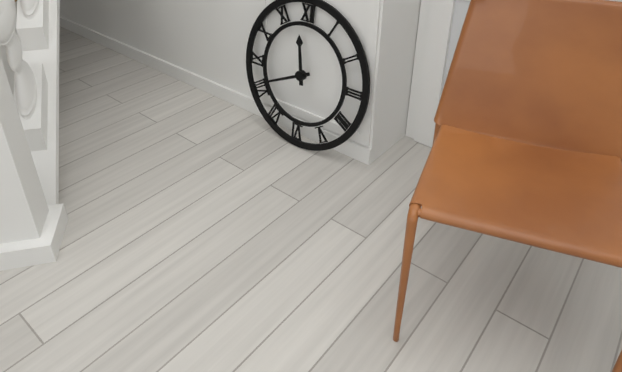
**11:41**
